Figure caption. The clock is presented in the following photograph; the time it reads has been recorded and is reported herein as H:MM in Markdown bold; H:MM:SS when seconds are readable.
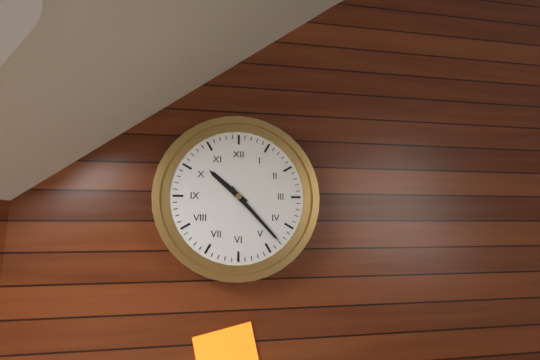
**10:23**
